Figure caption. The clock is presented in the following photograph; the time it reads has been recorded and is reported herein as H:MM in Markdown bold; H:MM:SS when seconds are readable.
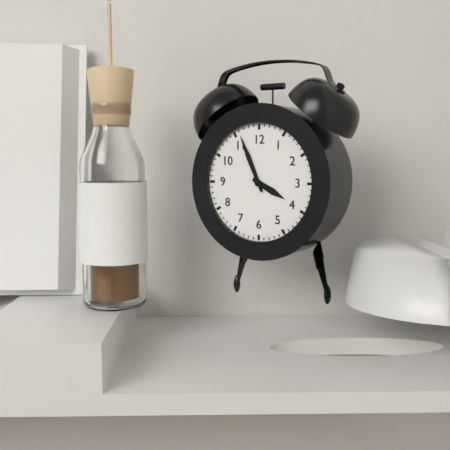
**3:56**
